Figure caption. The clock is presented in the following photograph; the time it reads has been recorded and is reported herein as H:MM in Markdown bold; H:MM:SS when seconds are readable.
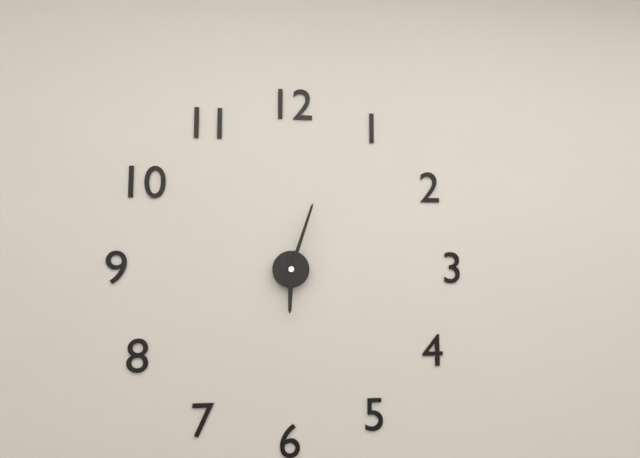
**6:03**
